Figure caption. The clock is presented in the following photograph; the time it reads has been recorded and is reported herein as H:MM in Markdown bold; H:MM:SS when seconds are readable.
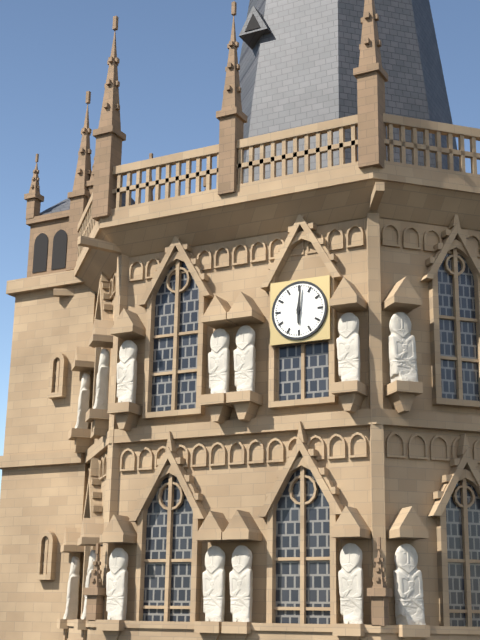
**6:01**
